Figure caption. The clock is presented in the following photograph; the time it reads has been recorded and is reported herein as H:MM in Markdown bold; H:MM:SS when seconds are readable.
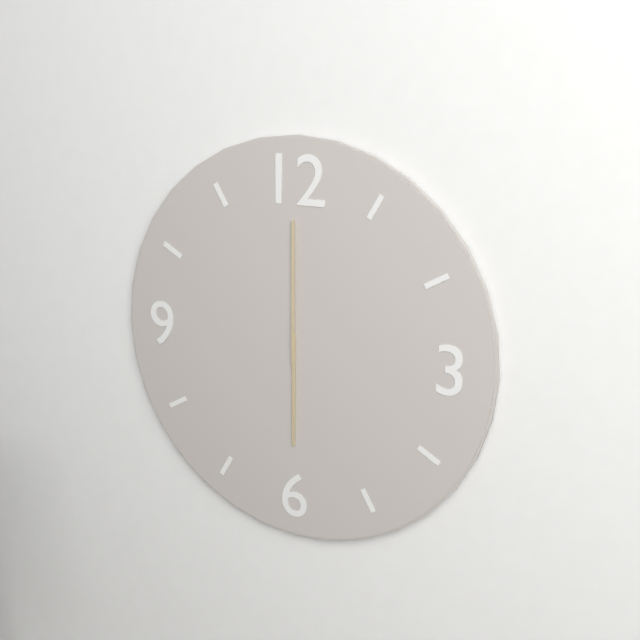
**6:00**
